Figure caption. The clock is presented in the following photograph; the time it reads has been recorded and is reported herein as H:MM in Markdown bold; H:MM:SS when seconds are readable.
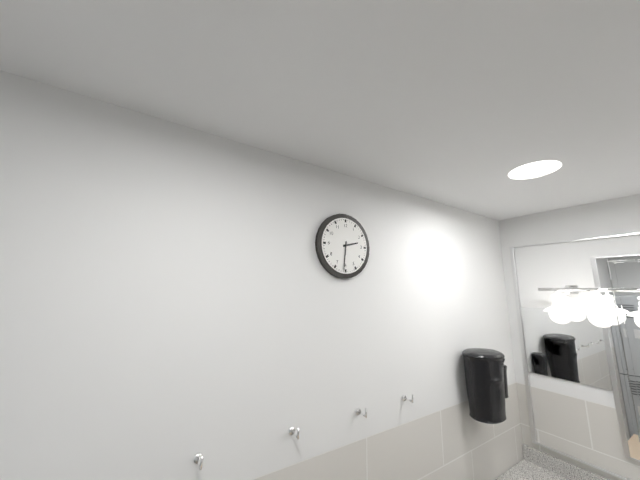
**2:31**
